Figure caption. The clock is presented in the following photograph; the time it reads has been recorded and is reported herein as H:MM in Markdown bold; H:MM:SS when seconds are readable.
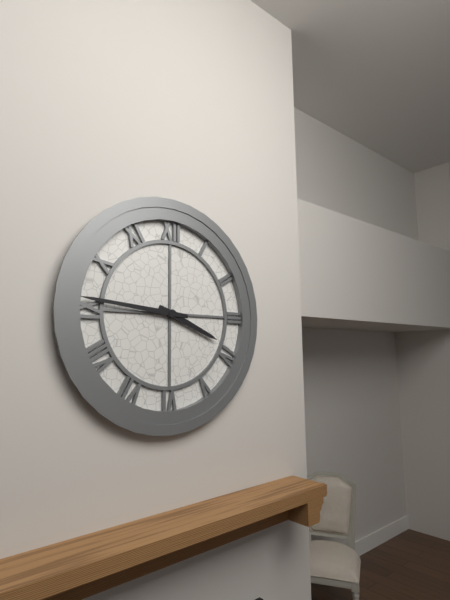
**3:46**
